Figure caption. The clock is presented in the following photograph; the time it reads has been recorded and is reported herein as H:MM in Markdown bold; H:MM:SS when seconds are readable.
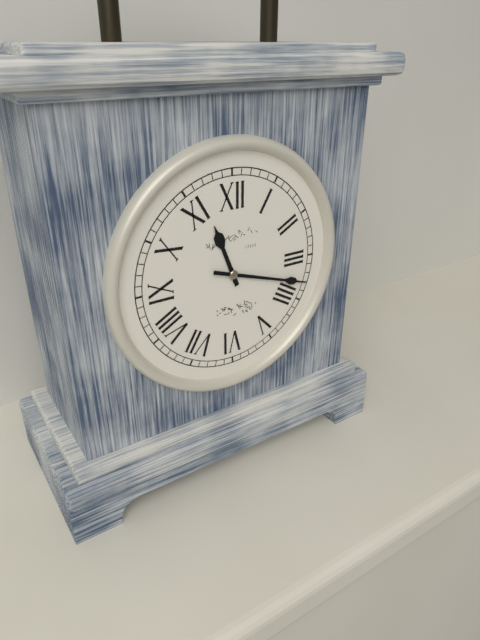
**11:18**
